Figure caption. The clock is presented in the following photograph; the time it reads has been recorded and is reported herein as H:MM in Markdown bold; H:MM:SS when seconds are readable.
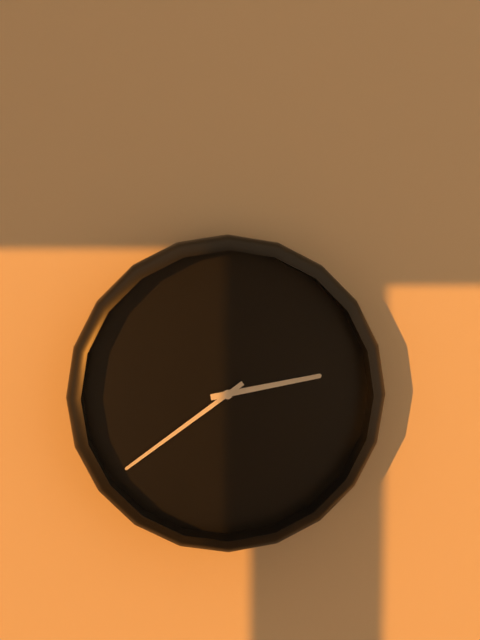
**2:39**
